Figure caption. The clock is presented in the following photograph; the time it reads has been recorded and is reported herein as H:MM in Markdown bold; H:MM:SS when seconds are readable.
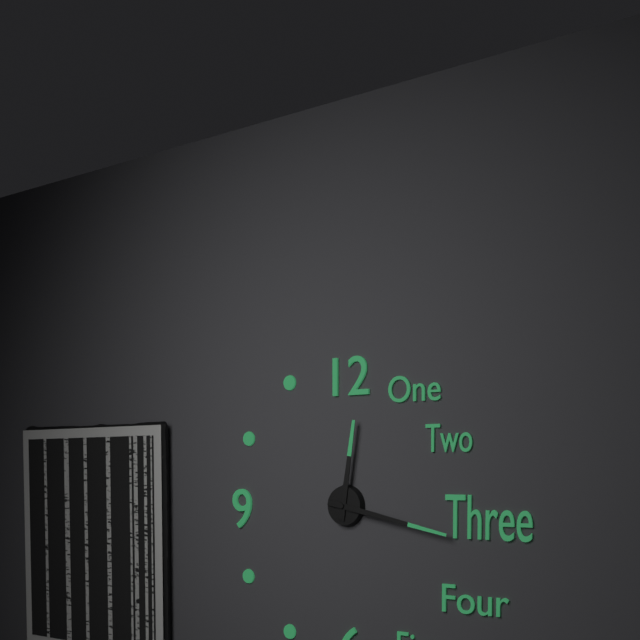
**12:17**
